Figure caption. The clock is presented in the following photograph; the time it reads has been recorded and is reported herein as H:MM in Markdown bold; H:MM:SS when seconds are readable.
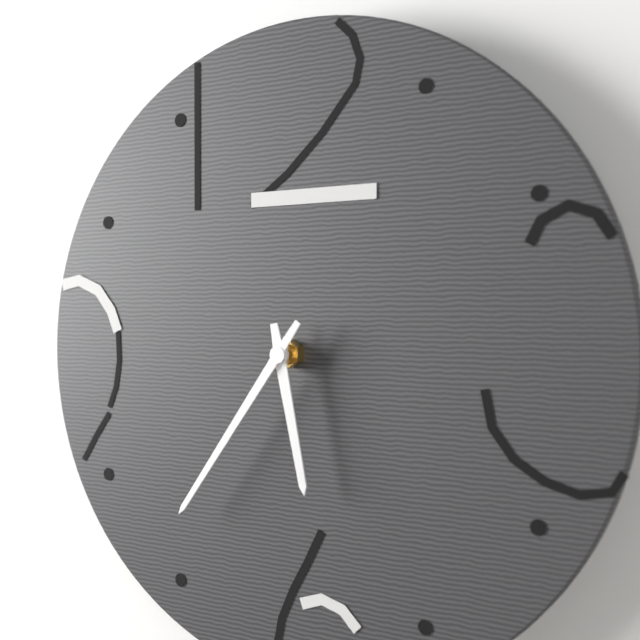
**5:36**
